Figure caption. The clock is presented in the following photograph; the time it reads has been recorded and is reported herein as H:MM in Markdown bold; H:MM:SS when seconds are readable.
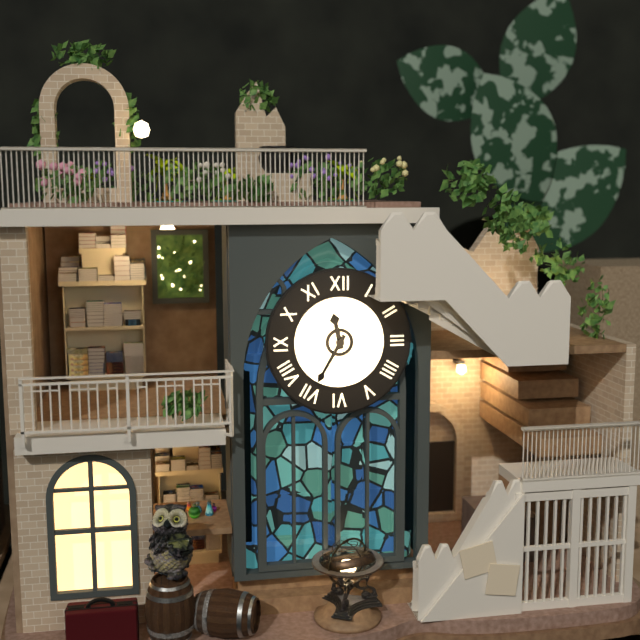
**11:35**
